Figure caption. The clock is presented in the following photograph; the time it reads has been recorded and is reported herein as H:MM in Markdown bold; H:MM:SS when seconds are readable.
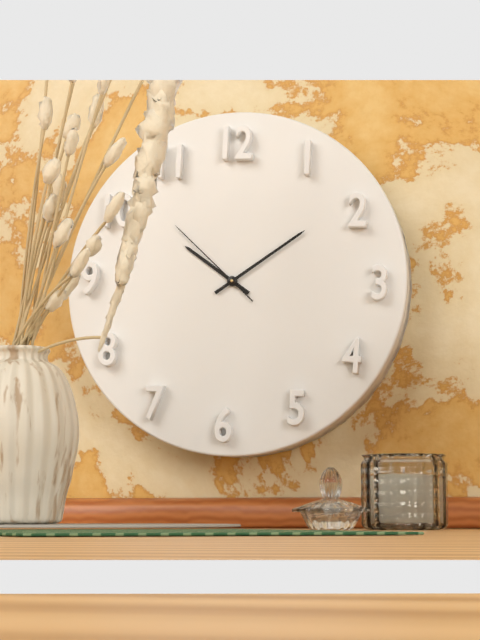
**10:09:52**
